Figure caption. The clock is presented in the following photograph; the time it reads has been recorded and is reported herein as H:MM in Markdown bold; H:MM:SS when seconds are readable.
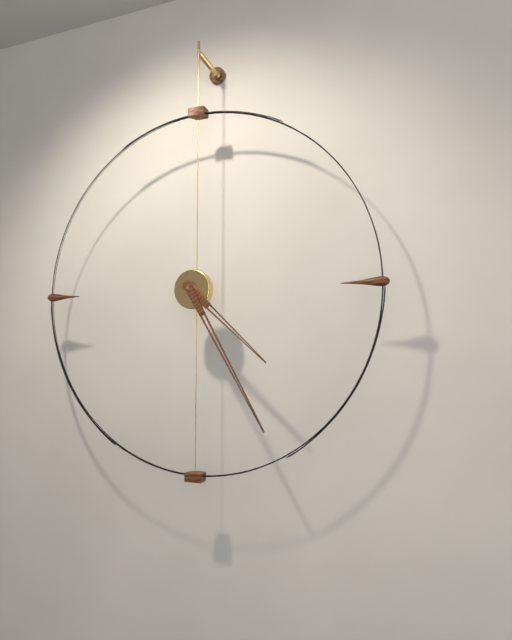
**4:25**
